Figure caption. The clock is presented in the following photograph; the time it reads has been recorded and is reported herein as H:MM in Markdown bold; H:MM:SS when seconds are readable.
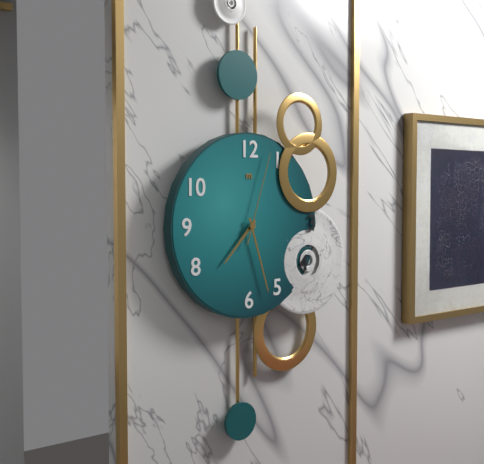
**7:27:03**
